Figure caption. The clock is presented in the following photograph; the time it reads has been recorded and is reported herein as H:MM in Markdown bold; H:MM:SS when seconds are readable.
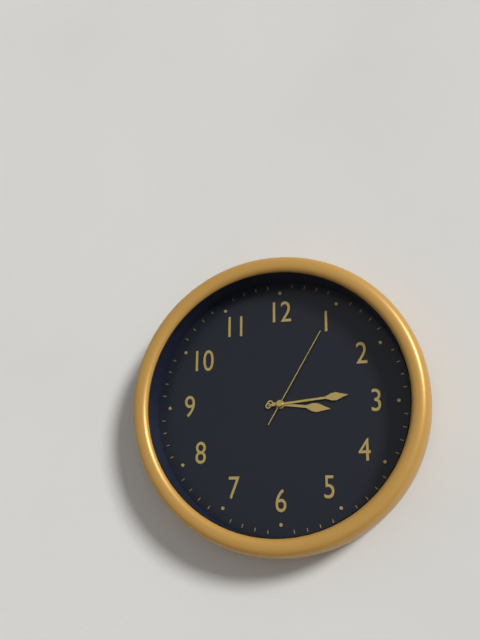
**3:14:05**
